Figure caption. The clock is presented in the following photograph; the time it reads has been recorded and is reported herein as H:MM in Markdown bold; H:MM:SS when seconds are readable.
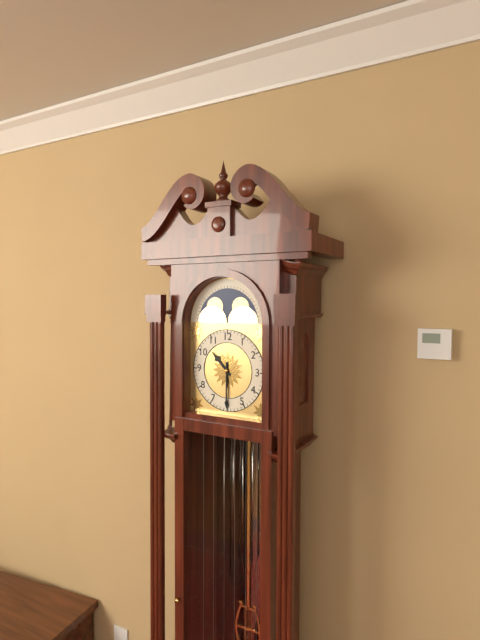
**10:30**
